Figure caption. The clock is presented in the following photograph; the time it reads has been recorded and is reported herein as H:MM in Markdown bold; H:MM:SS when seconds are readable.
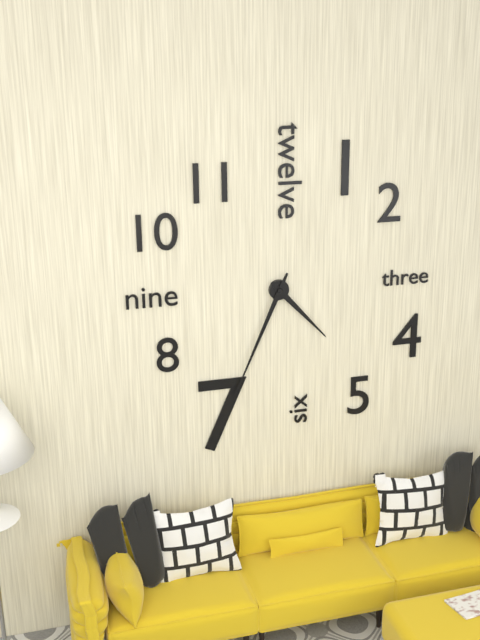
**4:34**
